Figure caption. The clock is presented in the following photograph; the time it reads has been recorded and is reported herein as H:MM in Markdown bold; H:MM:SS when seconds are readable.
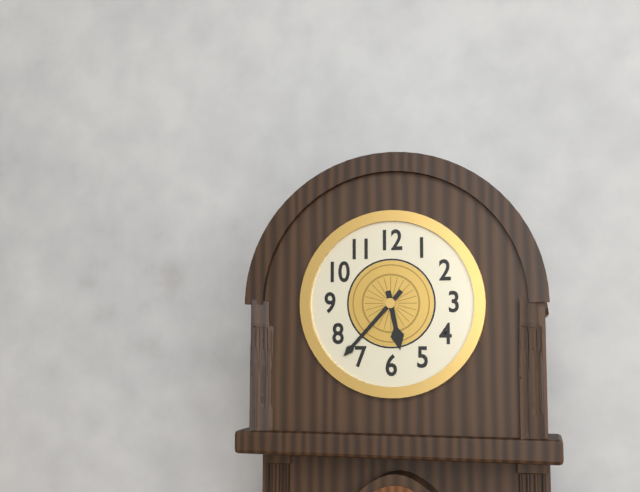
**5:37**
